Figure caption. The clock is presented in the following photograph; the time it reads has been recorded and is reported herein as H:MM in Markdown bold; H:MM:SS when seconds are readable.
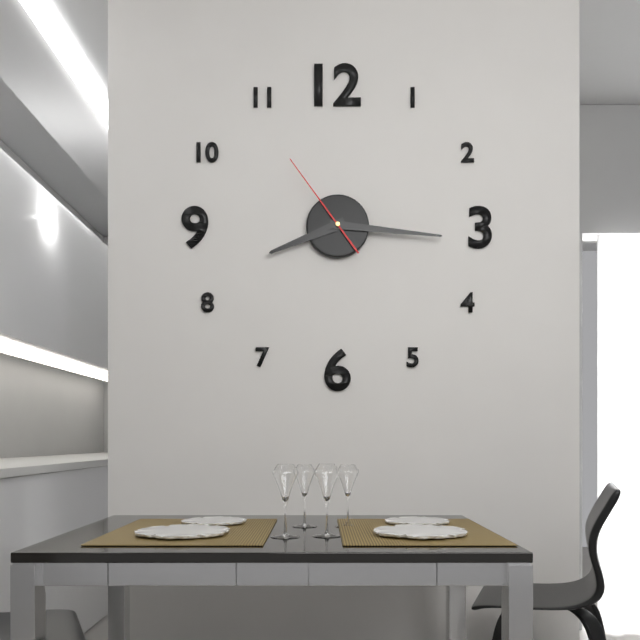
**8:16:54**
